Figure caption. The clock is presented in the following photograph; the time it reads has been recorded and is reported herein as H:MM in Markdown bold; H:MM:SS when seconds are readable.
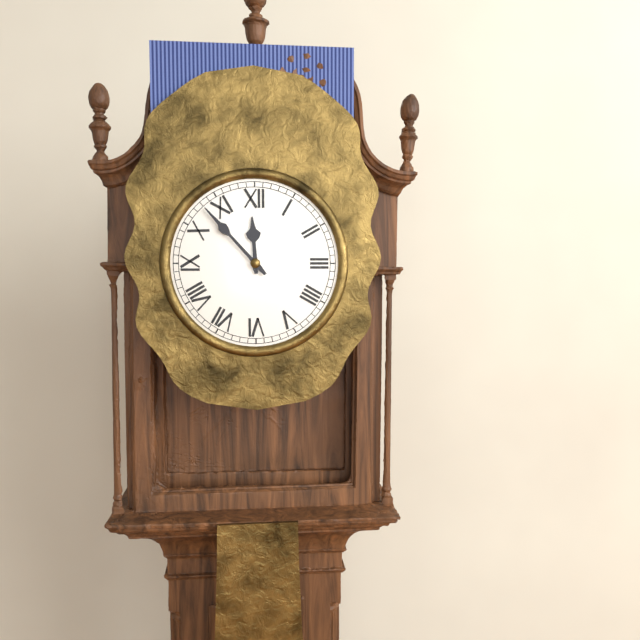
**11:53**
